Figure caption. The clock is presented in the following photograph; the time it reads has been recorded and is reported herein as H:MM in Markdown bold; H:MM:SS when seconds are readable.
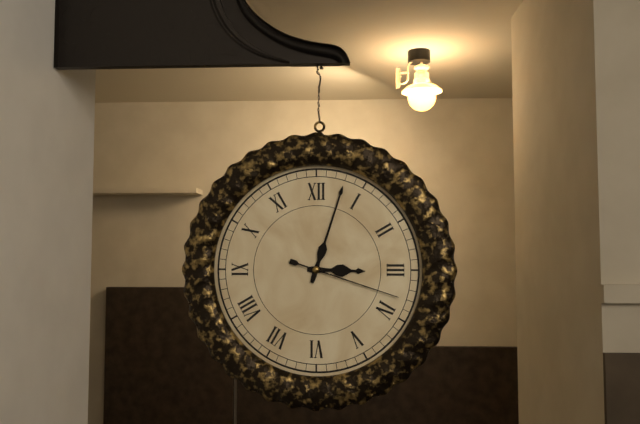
**3:03:18**
